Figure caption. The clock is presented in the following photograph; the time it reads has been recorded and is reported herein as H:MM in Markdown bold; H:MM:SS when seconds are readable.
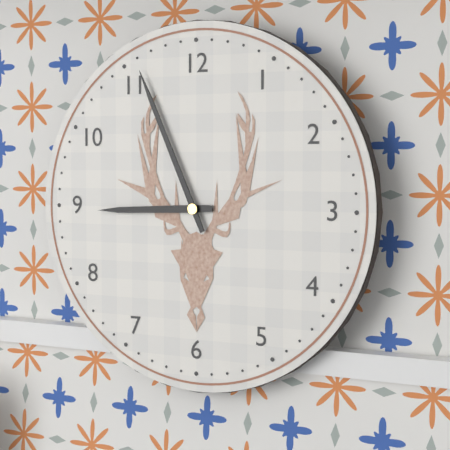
**8:56**
